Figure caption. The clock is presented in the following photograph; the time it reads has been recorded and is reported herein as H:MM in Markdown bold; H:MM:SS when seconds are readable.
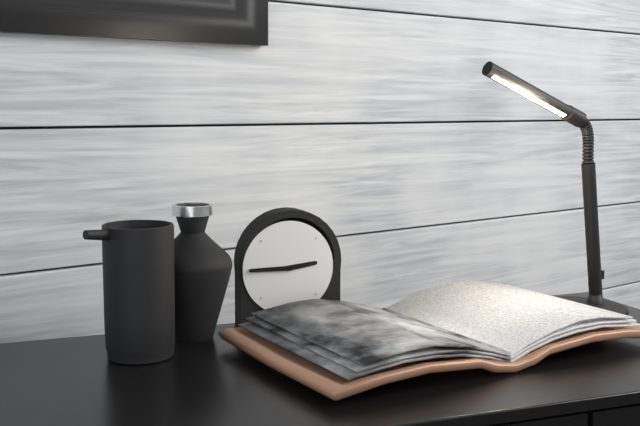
**2:45**
